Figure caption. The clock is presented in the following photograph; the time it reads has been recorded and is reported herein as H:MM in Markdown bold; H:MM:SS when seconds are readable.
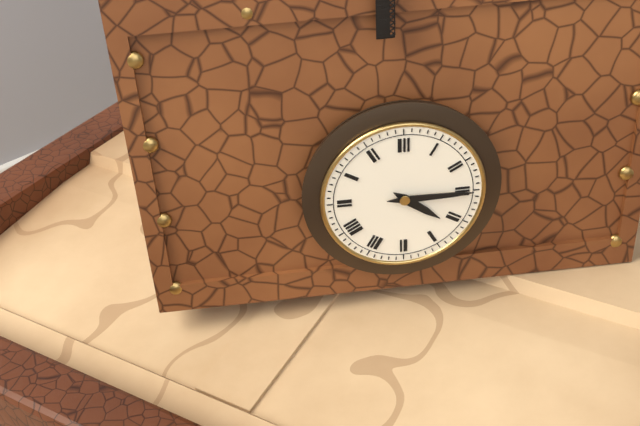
**4:15**
